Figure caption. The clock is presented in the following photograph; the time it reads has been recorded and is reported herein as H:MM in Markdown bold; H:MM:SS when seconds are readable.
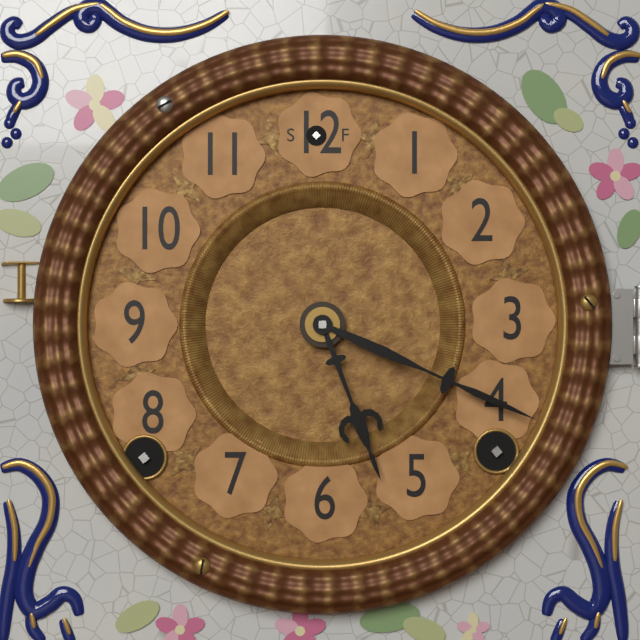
**5:19**
